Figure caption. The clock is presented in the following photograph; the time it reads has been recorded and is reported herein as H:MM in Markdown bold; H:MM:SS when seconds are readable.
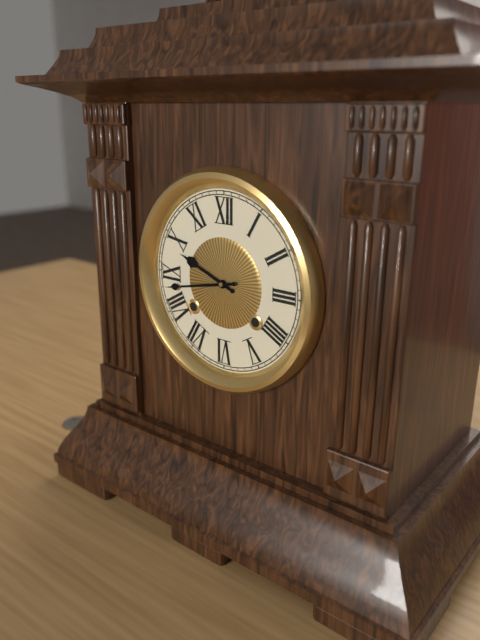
**9:43**
